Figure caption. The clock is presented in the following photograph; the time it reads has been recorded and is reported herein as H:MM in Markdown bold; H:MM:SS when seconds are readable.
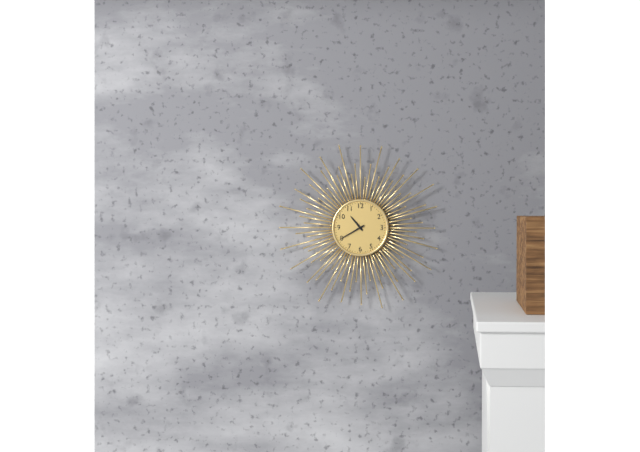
**10:40**
